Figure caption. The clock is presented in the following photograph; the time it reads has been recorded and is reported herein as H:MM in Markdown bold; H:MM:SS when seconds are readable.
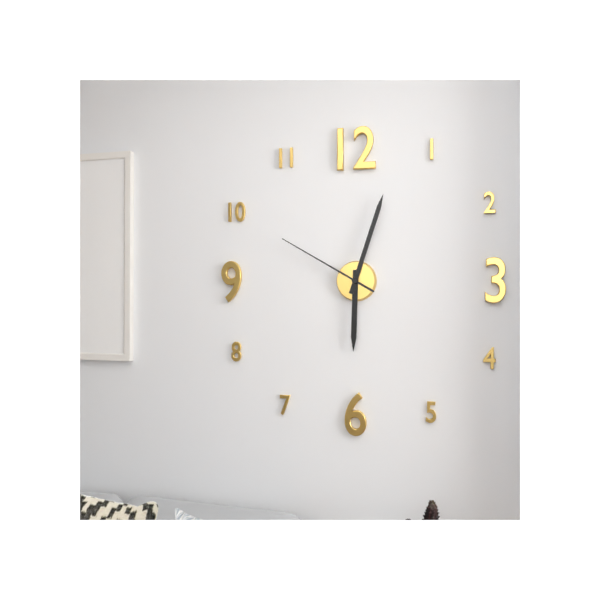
**6:03:50**
